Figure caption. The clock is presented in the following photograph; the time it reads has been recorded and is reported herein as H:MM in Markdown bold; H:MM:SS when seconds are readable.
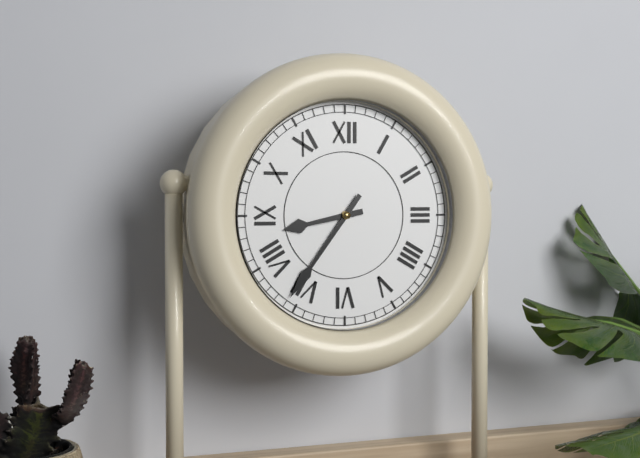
**8:36**
